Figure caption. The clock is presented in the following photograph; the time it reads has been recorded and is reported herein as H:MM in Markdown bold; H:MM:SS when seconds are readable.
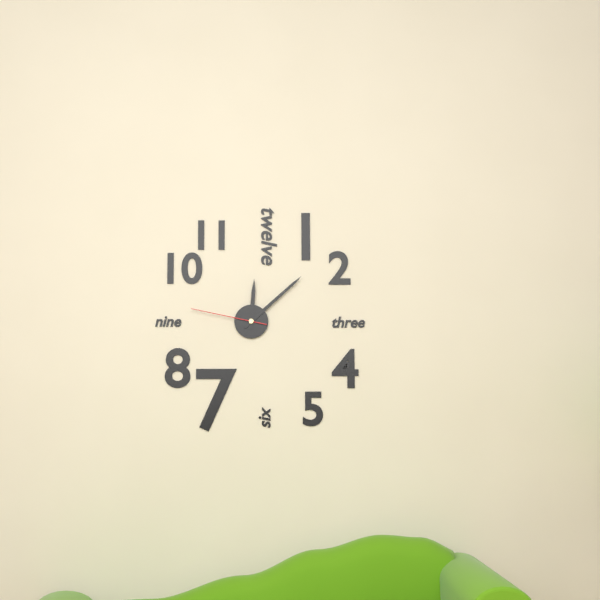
**12:08:47**
